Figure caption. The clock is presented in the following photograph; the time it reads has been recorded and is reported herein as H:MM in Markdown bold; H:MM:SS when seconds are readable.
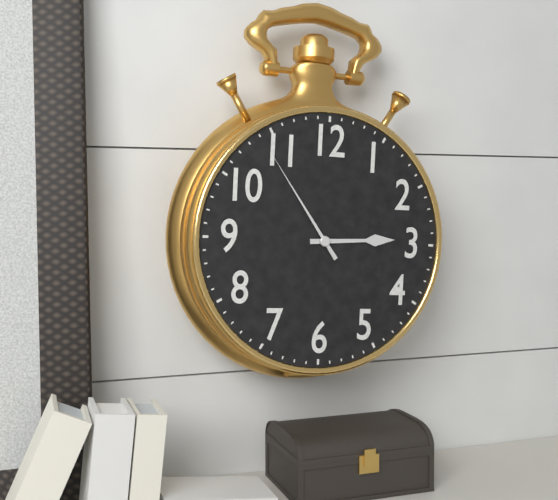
**2:54**
